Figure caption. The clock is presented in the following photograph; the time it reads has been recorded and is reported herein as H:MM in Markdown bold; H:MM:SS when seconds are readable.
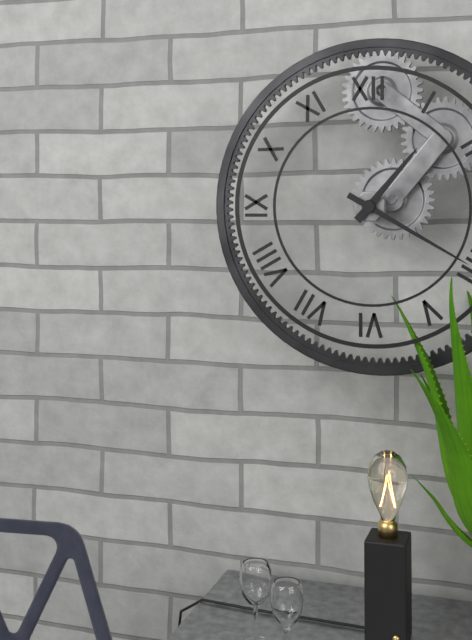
**1:20**
